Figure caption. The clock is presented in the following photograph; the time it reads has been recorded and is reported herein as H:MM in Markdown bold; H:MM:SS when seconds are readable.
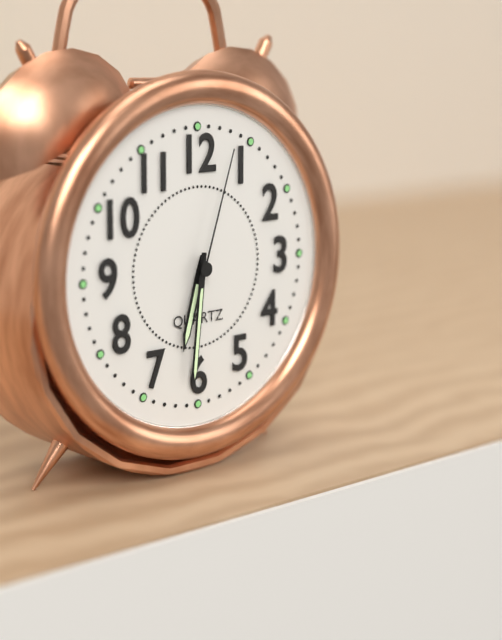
**6:31:03**
